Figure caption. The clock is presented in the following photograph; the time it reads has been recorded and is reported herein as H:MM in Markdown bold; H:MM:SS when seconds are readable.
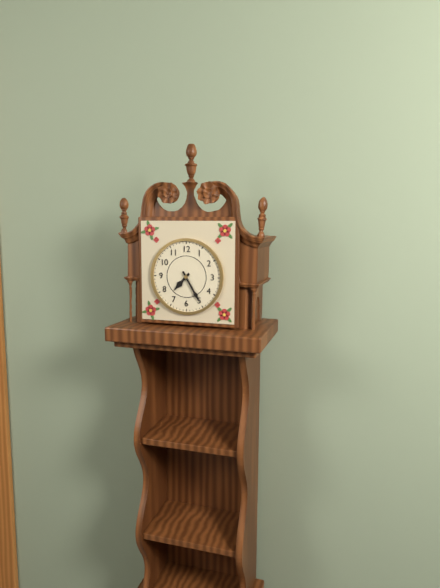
**7:25**
